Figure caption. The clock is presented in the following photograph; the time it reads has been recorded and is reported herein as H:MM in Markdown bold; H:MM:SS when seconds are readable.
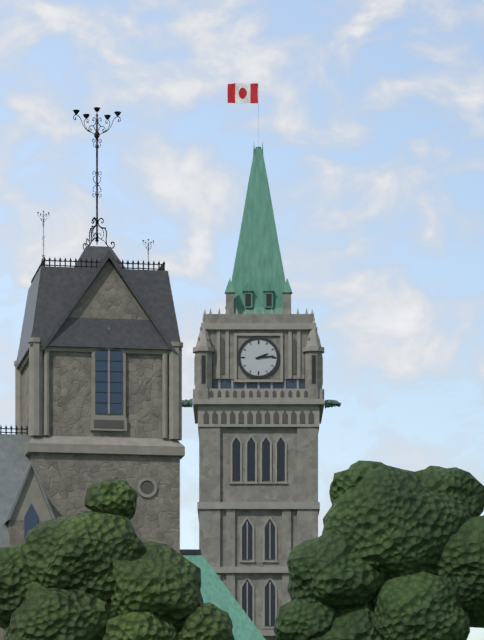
**2:14**
